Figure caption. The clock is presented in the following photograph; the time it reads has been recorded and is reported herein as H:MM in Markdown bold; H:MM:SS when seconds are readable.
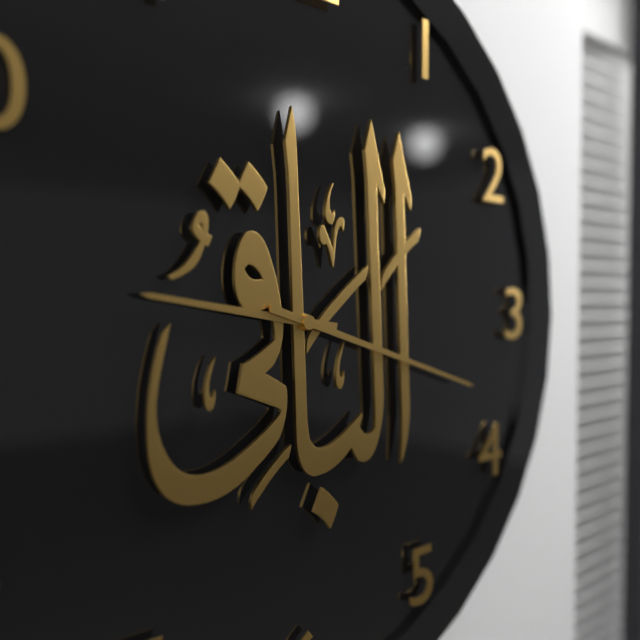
**9:18**
